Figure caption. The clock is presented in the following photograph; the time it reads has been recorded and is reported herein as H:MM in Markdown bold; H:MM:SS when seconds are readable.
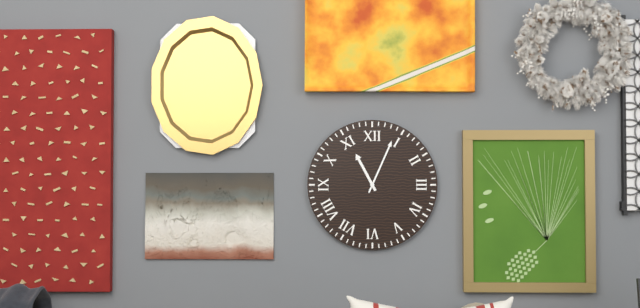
**11:04**
